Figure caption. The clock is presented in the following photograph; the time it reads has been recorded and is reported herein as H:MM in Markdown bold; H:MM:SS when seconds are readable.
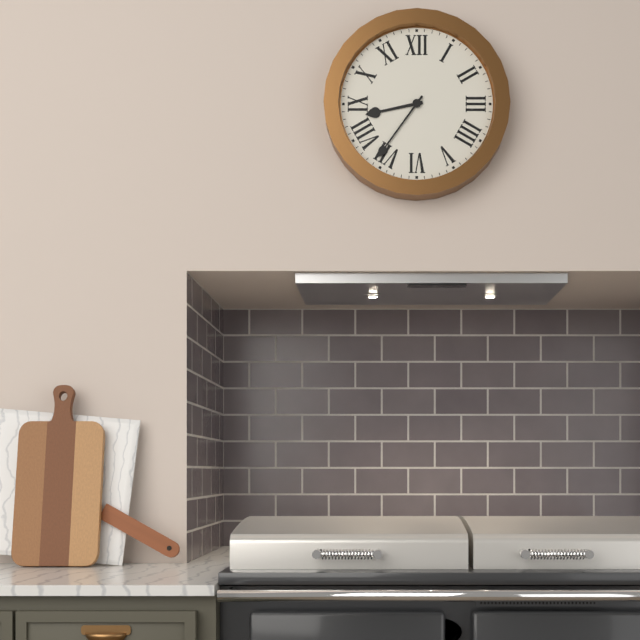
**8:36**
